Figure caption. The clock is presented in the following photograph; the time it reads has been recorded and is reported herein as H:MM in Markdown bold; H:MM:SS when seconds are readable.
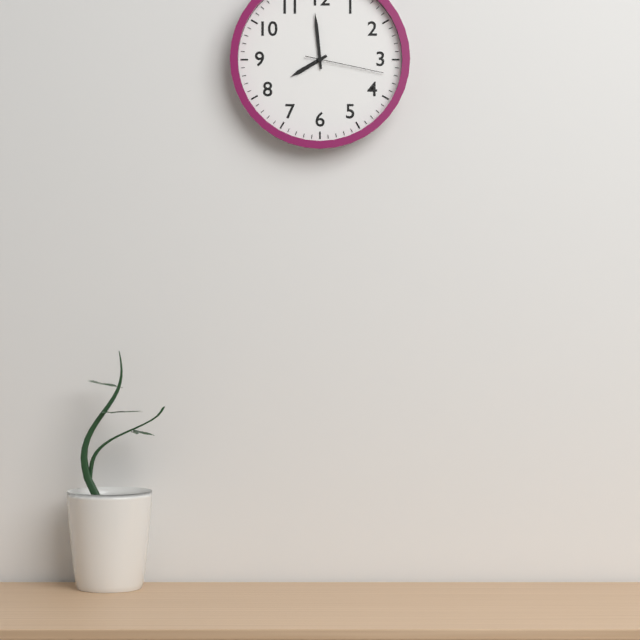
**7:59:17**
